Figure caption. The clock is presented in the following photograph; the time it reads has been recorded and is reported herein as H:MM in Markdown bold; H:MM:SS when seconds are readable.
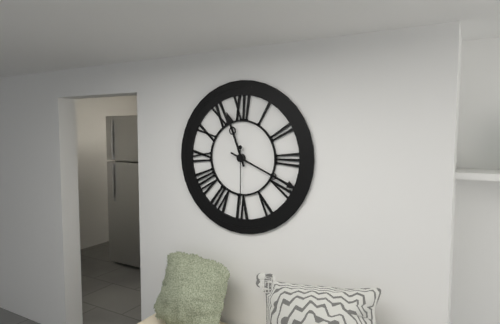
**11:19:30**
